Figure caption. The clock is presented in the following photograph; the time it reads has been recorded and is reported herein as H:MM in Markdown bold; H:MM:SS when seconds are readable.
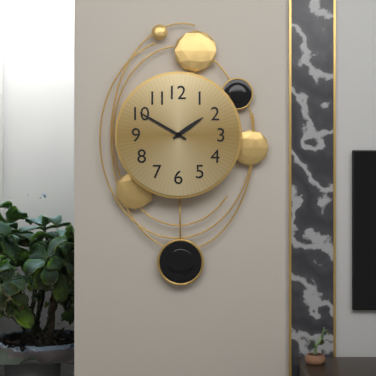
**1:50**
